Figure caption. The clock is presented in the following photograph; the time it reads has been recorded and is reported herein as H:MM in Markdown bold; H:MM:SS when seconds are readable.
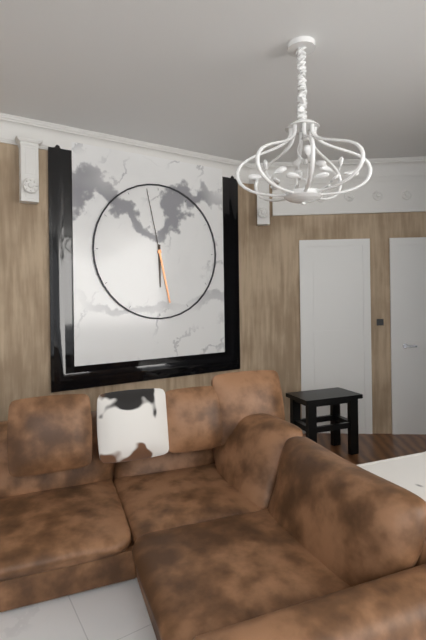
**5:58**
